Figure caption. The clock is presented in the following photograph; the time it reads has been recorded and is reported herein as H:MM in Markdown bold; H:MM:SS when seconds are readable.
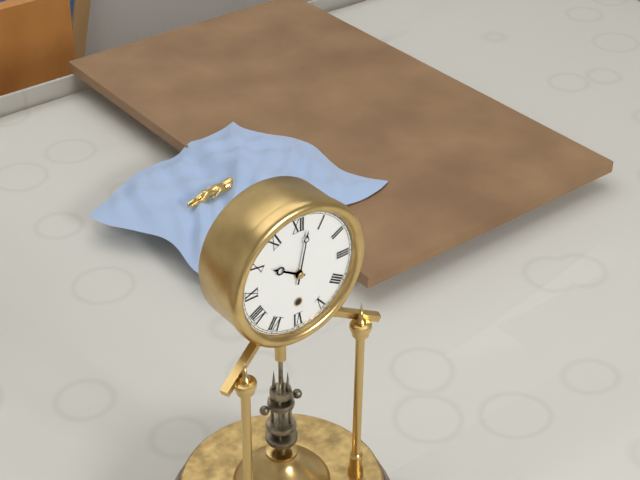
**10:02**
